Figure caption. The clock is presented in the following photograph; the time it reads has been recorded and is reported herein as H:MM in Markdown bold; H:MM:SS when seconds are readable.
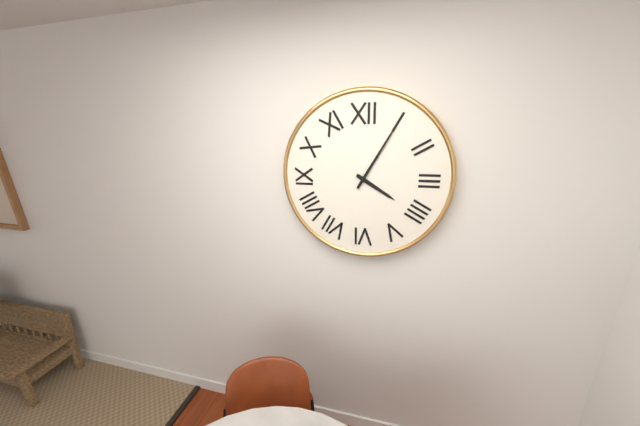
**4:05**
